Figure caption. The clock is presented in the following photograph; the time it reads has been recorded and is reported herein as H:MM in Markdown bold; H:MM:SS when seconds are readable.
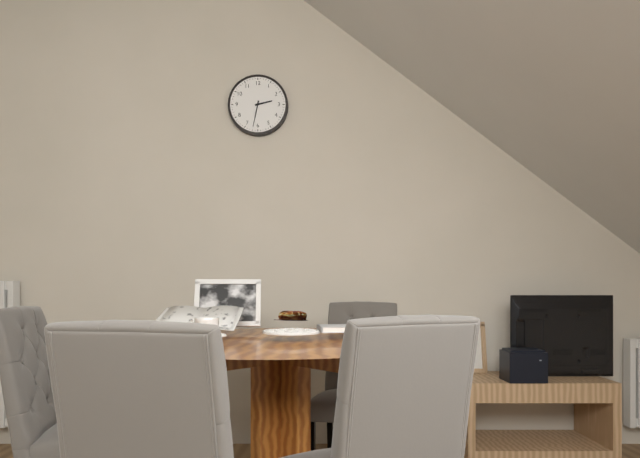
**2:32**
